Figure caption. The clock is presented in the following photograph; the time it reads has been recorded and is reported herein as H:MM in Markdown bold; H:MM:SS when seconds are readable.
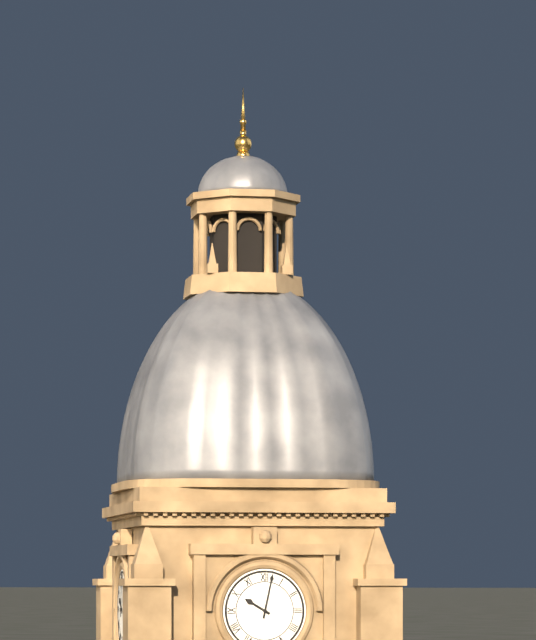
**10:02**
